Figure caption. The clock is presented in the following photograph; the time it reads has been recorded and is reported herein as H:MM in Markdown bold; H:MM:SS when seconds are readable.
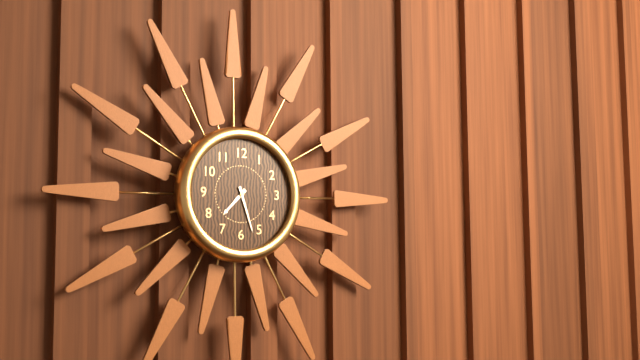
**7:27**
